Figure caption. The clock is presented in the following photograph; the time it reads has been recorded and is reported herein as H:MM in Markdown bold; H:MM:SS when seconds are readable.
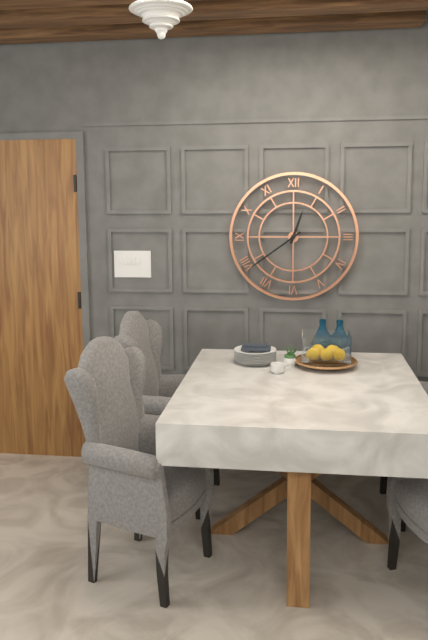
**12:39**
